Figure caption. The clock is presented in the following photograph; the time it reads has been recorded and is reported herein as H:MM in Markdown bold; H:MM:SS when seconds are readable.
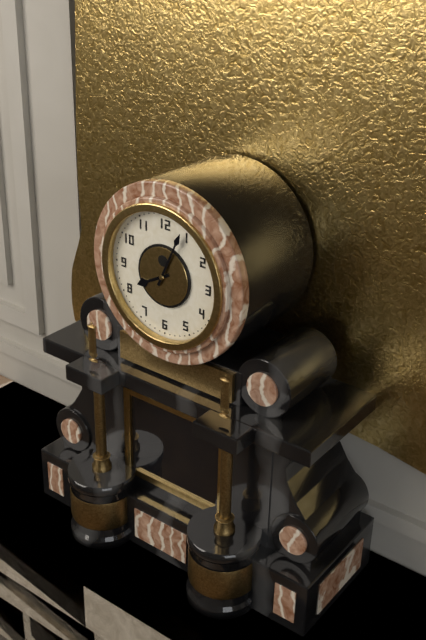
**8:04**
